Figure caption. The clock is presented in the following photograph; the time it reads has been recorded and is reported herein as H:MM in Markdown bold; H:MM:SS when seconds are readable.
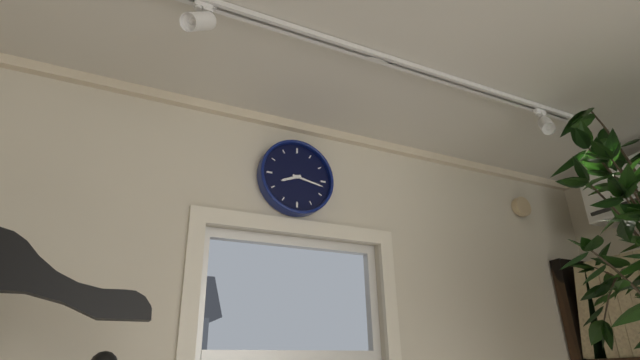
**8:17**
